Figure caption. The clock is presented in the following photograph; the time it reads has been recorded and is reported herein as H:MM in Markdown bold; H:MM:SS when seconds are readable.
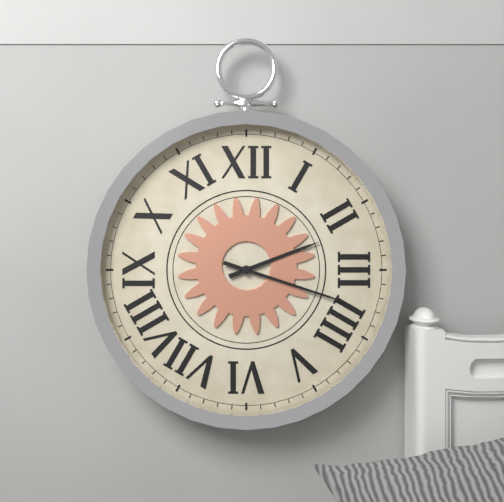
**2:18**
